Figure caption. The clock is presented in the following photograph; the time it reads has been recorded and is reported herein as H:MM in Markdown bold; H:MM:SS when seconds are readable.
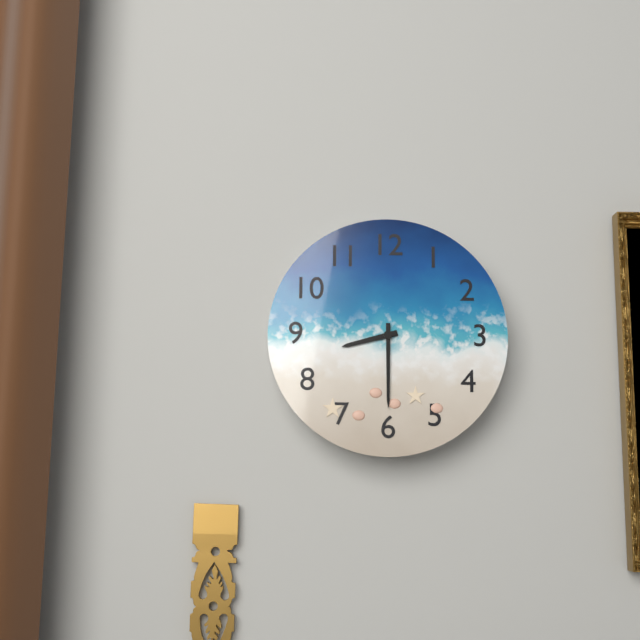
**8:30**
